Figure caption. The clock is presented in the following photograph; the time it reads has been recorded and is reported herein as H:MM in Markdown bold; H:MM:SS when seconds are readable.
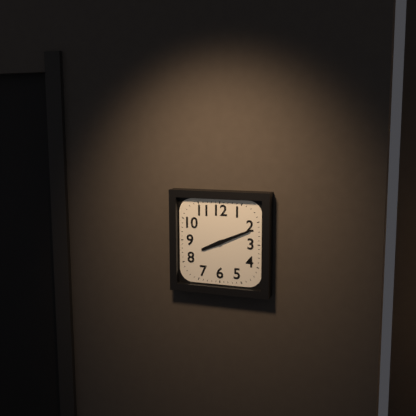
**8:11**
